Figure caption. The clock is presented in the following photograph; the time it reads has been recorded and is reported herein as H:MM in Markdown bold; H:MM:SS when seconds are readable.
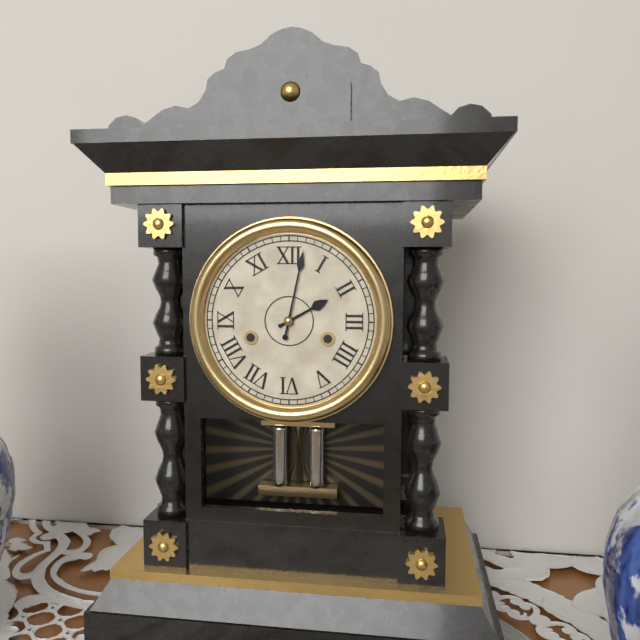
**2:02**
